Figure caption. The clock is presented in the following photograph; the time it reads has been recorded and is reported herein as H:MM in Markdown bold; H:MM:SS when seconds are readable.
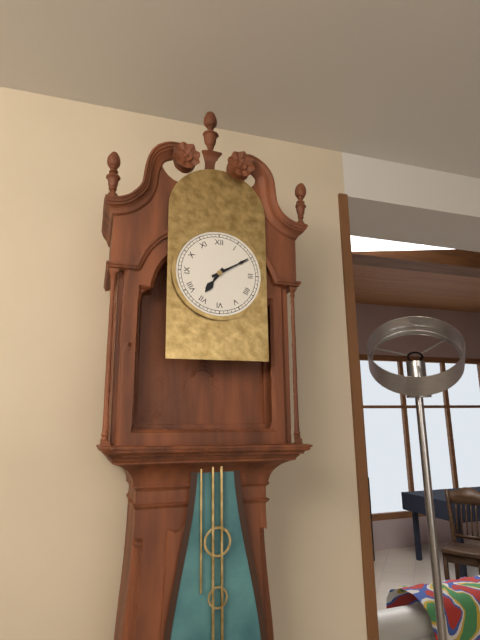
**7:10**
